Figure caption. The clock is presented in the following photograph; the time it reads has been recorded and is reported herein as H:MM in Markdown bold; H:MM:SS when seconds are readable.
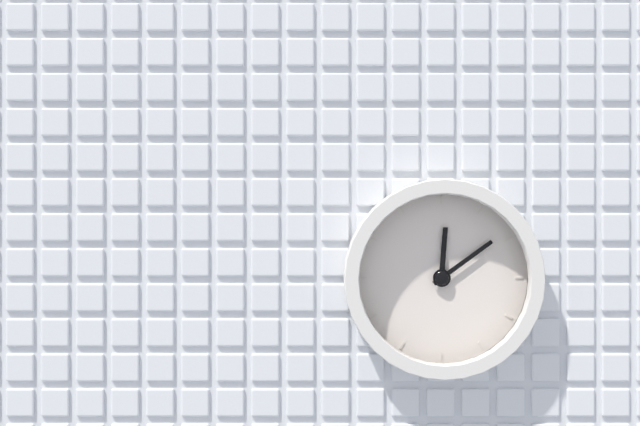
**12:09**
